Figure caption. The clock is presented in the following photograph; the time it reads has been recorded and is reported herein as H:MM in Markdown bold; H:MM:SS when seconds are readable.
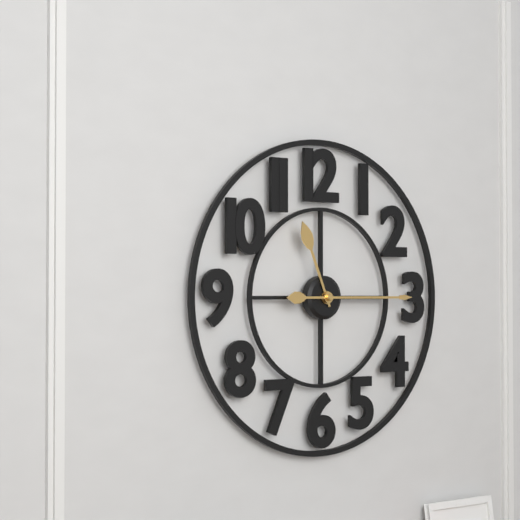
**11:15**
